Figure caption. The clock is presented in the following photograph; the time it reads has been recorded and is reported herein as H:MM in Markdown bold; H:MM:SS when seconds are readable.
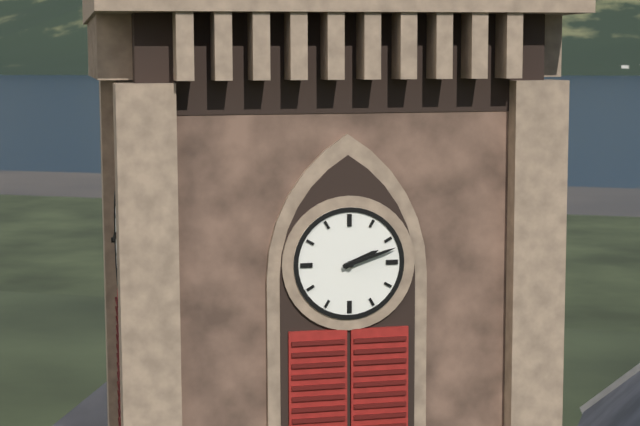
**2:12**
